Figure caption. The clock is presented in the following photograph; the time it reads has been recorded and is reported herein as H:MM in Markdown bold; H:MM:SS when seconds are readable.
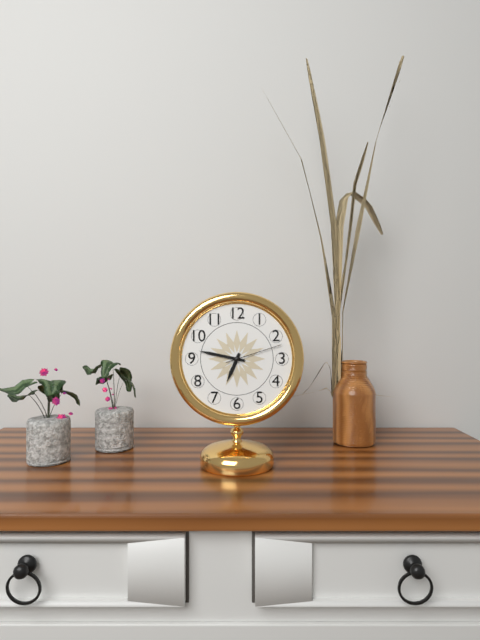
**6:47:12**
